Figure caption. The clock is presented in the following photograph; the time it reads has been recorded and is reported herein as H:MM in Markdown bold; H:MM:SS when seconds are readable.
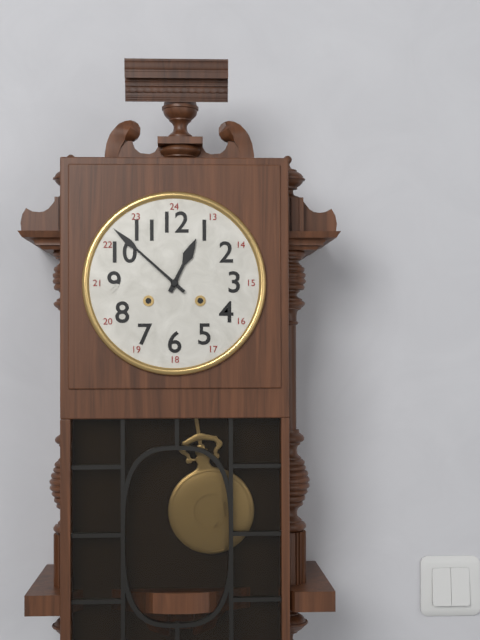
**12:52**
